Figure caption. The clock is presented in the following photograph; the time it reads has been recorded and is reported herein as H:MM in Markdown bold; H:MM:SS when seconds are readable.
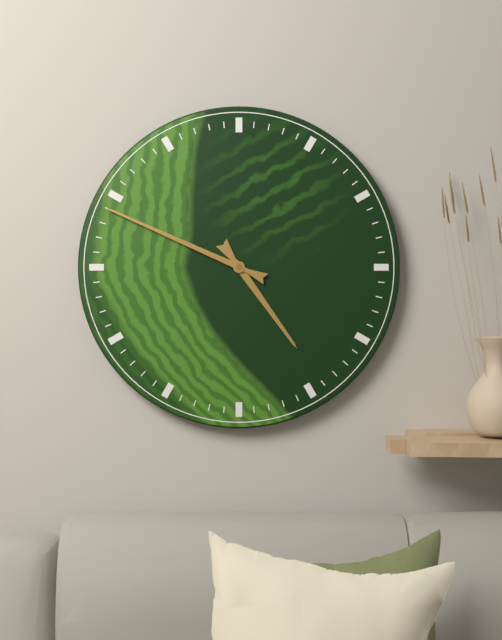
**4:49**
